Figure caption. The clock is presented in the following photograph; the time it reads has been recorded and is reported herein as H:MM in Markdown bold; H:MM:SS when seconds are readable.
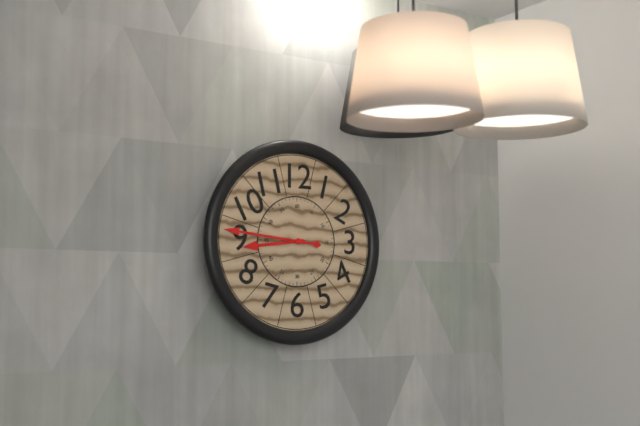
**8:46**
